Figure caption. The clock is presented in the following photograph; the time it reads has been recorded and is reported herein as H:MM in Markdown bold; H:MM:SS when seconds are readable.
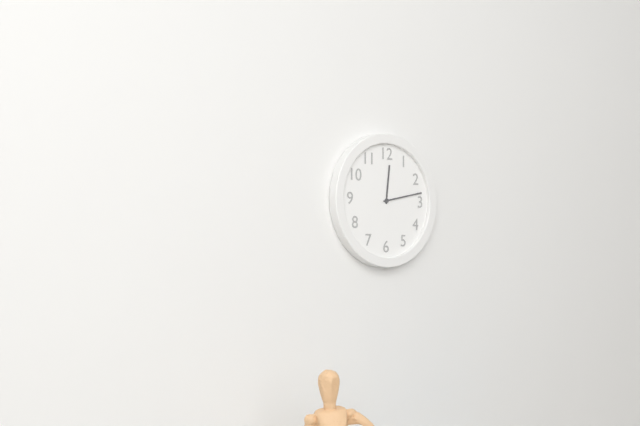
**12:13**
